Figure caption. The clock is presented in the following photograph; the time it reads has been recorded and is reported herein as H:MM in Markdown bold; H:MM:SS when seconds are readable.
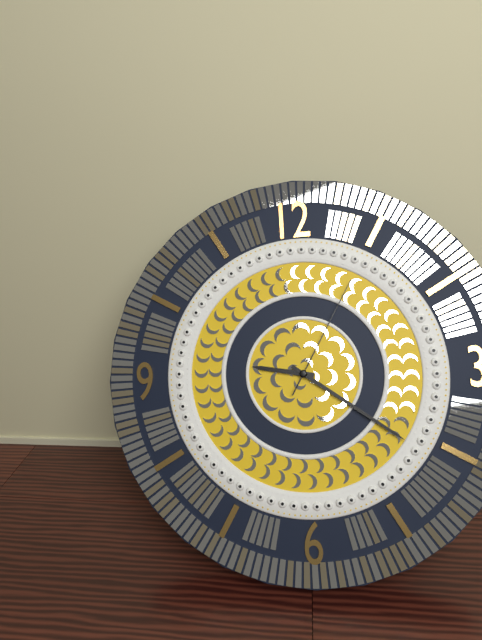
**9:21:05**
